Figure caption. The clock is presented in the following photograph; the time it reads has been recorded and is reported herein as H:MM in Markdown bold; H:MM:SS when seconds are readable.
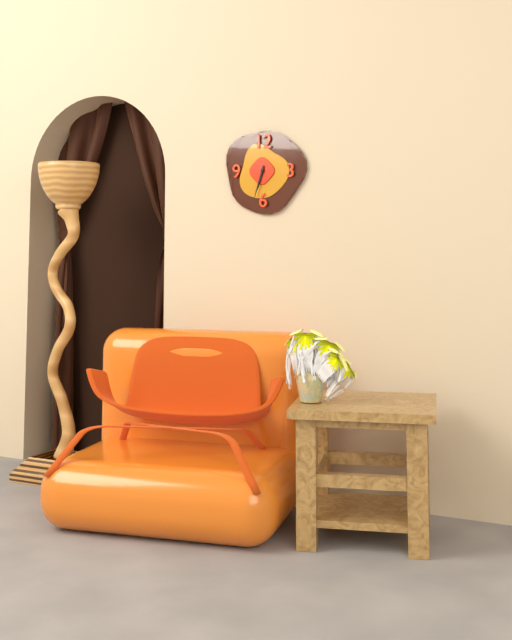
**6:33**
